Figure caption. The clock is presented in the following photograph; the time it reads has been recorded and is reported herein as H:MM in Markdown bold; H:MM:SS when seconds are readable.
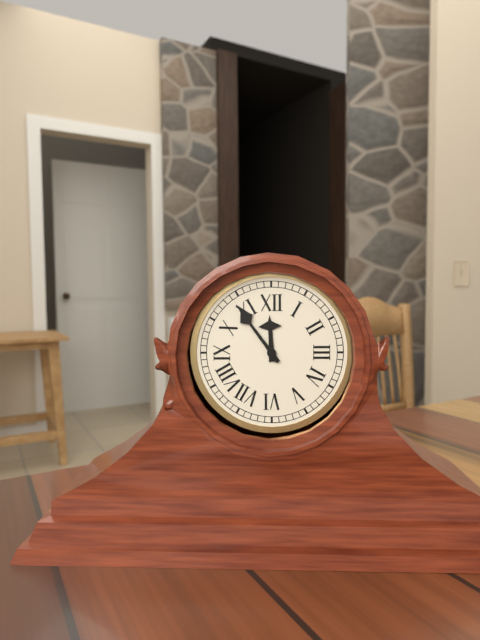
**11:54**
